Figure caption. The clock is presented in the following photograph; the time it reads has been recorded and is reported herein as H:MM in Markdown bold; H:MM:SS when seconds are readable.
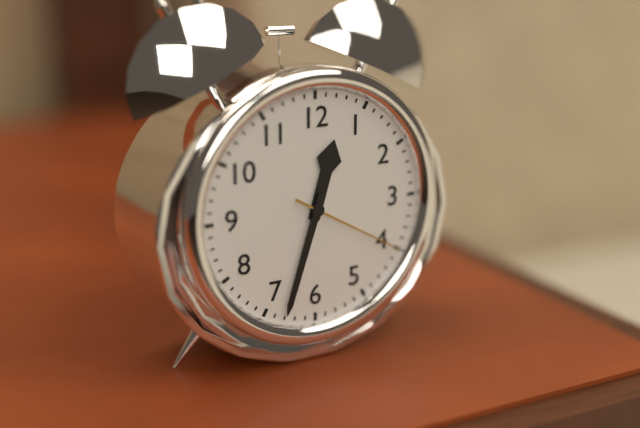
**12:33:20**
